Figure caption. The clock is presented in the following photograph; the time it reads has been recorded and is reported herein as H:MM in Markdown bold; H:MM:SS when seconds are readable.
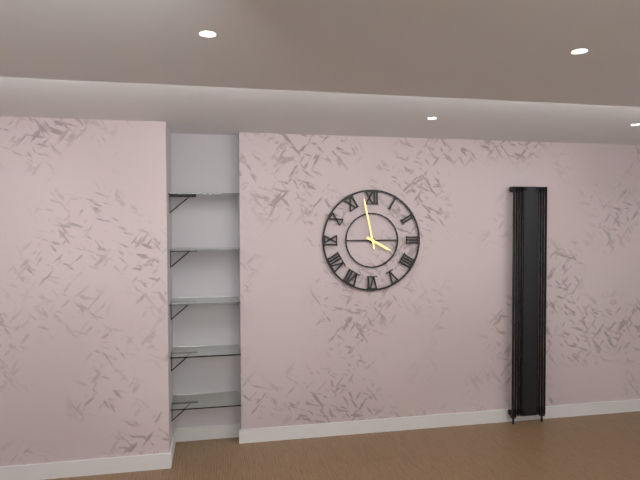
**3:58**
